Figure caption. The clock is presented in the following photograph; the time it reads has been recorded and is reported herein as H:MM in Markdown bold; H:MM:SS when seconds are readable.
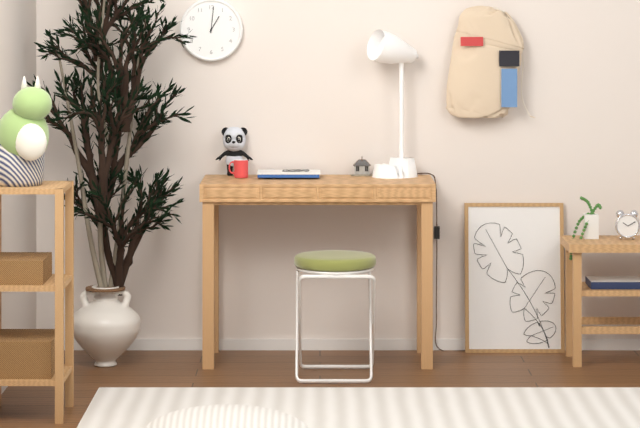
**1:01**
